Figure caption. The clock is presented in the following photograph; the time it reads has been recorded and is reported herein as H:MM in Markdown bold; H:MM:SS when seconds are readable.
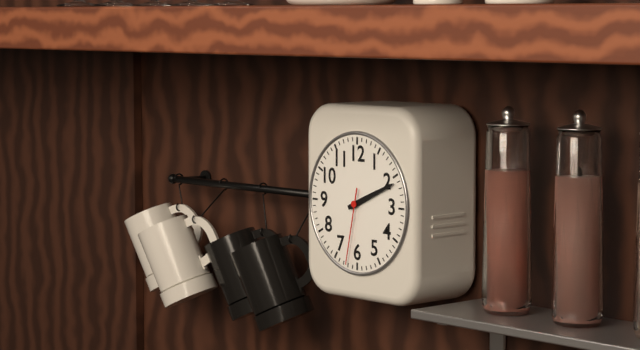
**2:11:32**
